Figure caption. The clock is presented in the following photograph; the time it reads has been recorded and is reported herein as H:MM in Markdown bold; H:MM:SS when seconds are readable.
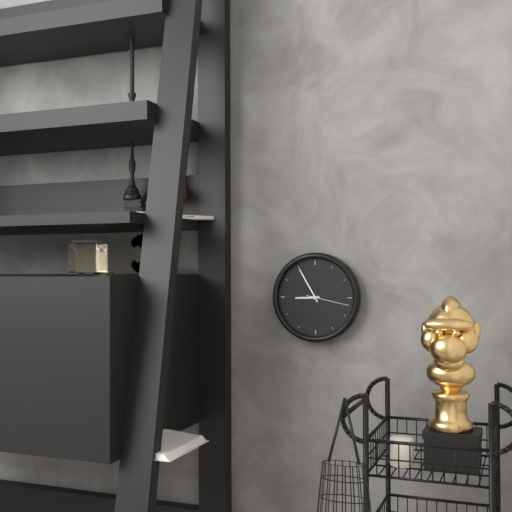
**8:55**
